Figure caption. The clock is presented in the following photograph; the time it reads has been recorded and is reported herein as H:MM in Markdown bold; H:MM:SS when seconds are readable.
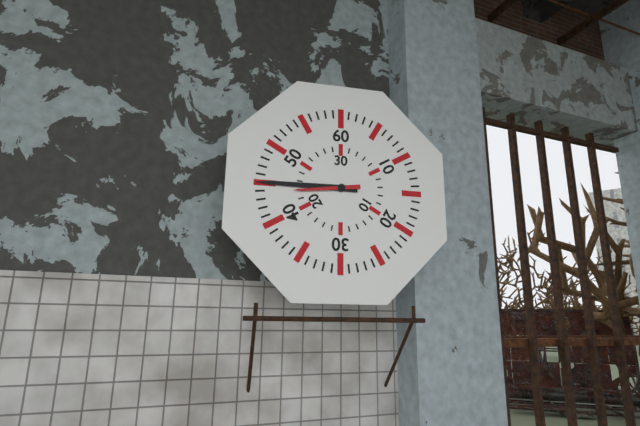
**8:45**
